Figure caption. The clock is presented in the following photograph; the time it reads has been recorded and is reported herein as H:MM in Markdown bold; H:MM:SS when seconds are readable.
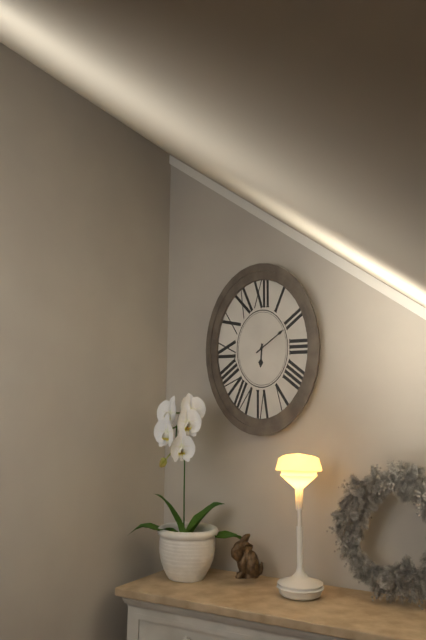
**6:09**
